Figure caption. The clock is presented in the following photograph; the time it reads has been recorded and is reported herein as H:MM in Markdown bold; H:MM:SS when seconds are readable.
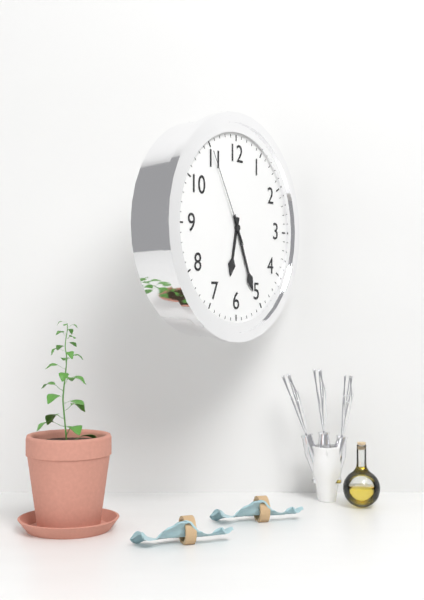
**6:26:55**
